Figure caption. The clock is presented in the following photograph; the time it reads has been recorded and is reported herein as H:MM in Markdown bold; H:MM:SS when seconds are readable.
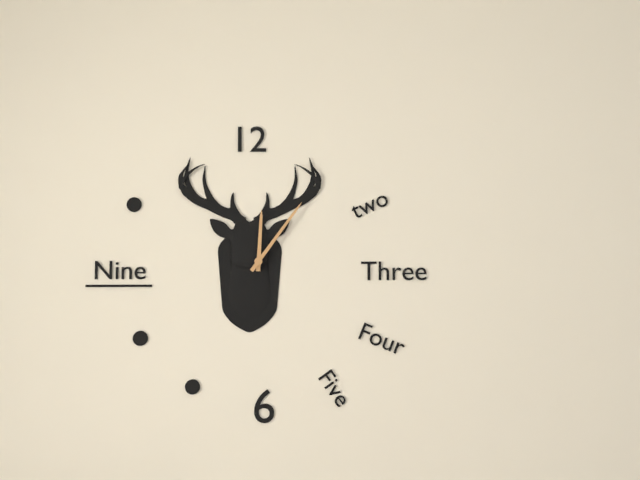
**12:06**
